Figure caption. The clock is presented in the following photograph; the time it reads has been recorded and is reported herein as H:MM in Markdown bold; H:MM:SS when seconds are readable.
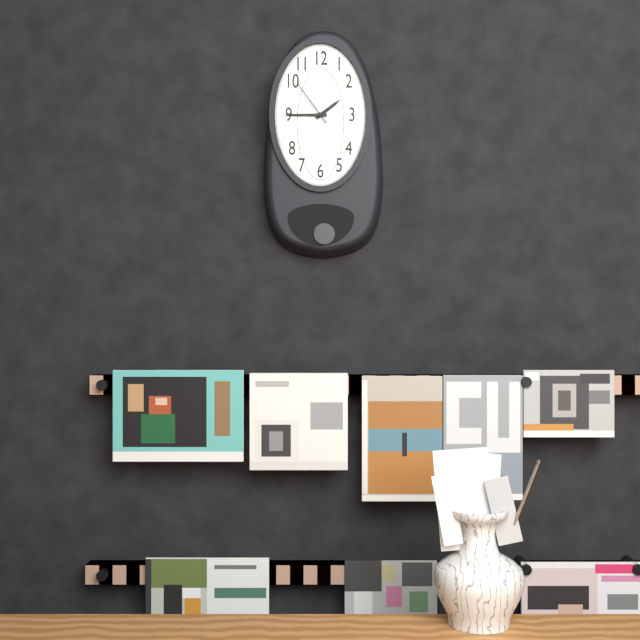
**1:45:54**
